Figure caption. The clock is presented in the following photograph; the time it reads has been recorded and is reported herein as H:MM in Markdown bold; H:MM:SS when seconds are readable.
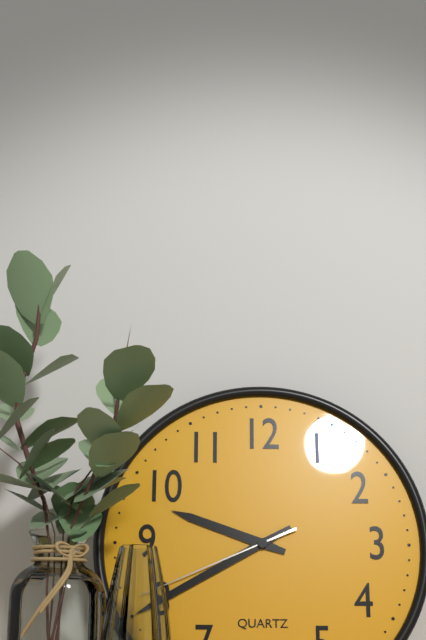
**9:40:41**
